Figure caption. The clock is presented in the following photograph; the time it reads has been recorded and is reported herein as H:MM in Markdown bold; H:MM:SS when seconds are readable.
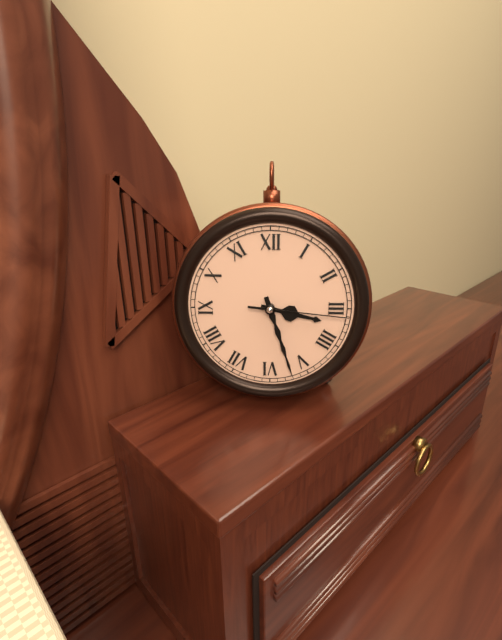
**3:27:16**
